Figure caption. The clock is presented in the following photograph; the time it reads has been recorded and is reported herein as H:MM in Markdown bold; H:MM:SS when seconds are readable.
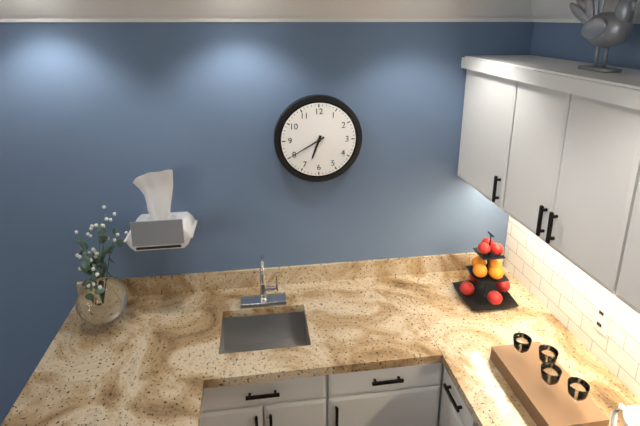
**6:40**
